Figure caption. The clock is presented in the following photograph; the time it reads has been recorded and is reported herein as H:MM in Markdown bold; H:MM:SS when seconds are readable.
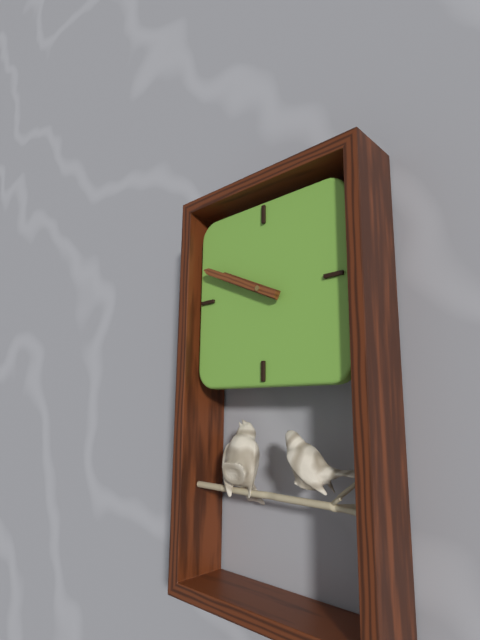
**9:49**
